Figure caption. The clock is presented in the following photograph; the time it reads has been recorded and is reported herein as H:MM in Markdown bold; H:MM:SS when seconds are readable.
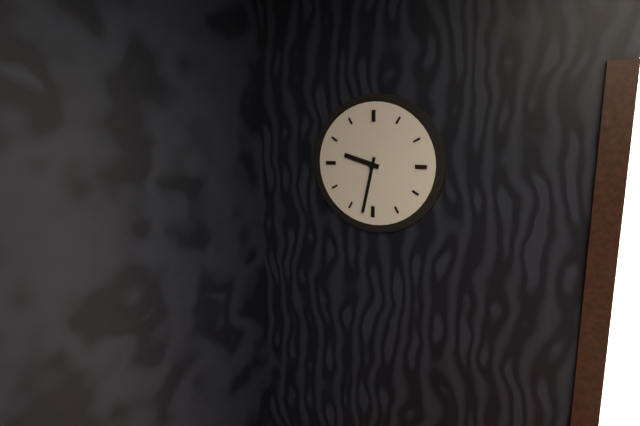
**9:32**
